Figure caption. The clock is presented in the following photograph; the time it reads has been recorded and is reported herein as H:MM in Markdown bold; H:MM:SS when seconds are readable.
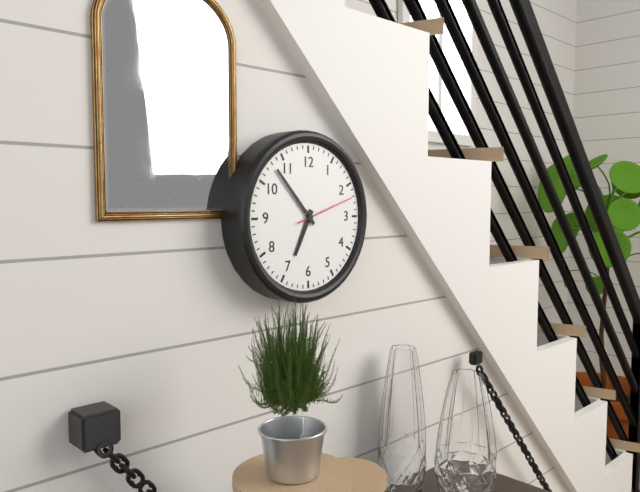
**6:53:12**
